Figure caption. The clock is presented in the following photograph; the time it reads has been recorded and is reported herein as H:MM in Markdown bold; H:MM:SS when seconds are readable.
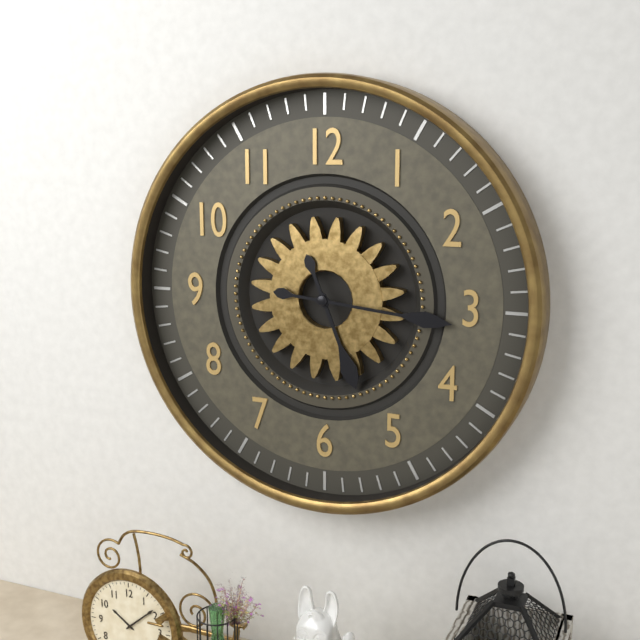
**5:16**
